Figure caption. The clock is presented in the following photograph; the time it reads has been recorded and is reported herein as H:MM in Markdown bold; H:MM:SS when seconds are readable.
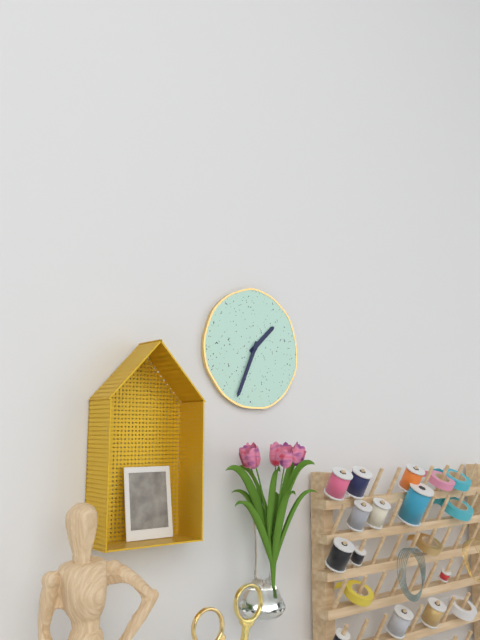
**1:34**
